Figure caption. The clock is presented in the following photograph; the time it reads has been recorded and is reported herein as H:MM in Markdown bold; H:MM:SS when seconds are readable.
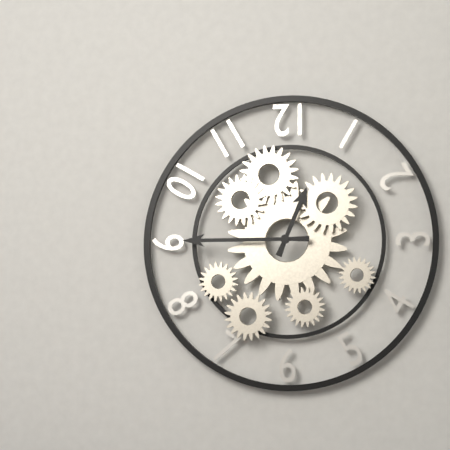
**12:45**
